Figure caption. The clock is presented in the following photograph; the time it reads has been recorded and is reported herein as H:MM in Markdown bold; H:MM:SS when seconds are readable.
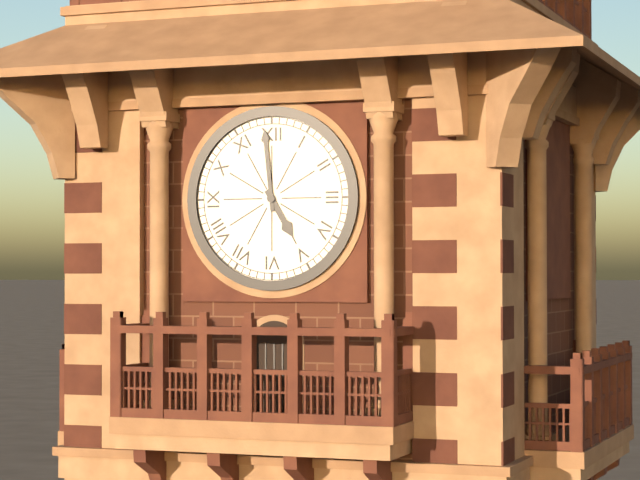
**4:59**
